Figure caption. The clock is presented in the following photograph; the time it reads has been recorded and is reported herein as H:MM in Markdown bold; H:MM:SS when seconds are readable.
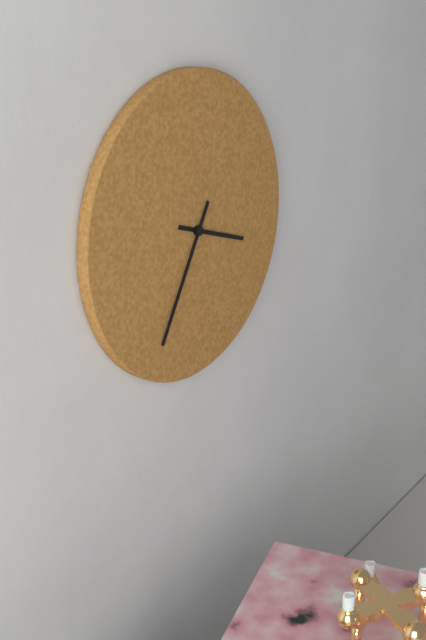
**3:35**
